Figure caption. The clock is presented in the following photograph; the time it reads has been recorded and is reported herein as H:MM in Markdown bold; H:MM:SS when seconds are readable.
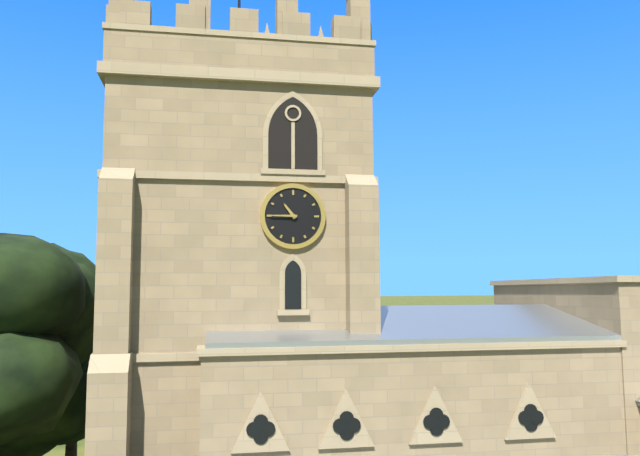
**10:45**
